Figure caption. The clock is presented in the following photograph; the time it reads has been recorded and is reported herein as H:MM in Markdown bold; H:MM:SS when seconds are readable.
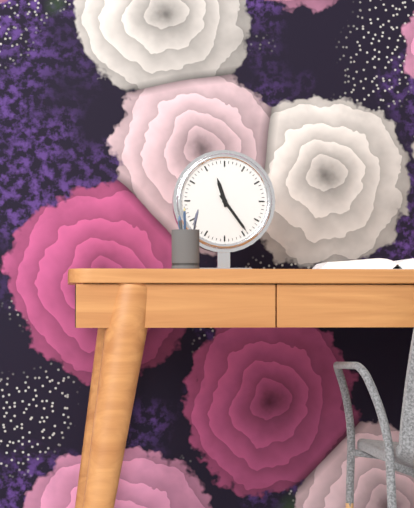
**11:24**
